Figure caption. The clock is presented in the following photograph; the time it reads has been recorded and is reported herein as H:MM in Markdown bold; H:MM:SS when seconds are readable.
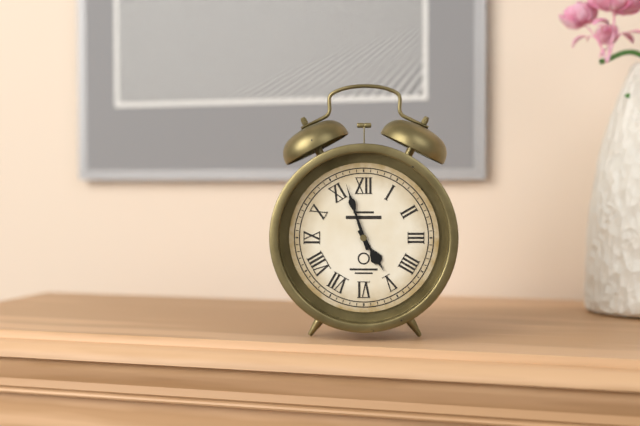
**4:57**
